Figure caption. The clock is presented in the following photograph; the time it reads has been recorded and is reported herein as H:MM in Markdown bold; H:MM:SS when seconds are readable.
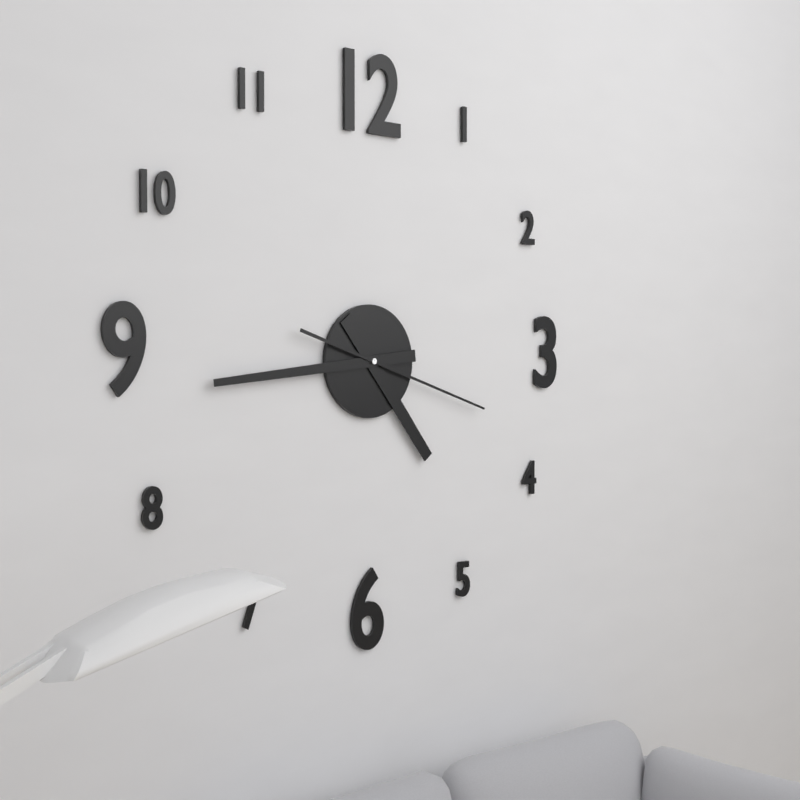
**4:44:18**
